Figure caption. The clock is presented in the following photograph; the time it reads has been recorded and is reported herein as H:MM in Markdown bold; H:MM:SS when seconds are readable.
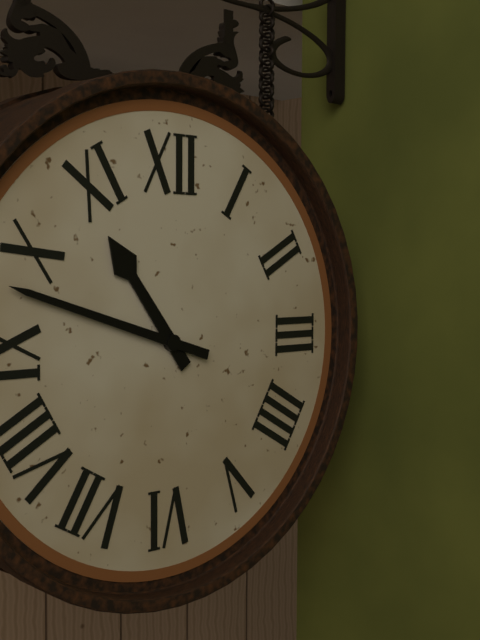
**10:48**
